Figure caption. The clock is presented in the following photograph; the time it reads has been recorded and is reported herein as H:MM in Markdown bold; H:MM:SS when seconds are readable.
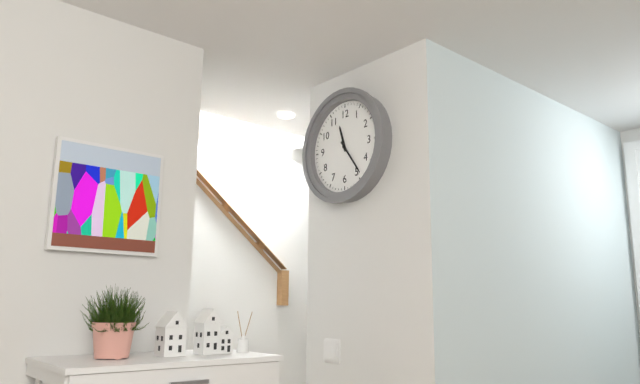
**11:24**
